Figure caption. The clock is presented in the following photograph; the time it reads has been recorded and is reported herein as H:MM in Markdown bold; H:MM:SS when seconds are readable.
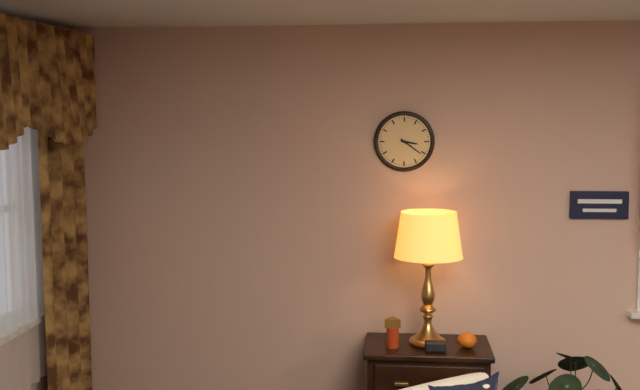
**3:21**
